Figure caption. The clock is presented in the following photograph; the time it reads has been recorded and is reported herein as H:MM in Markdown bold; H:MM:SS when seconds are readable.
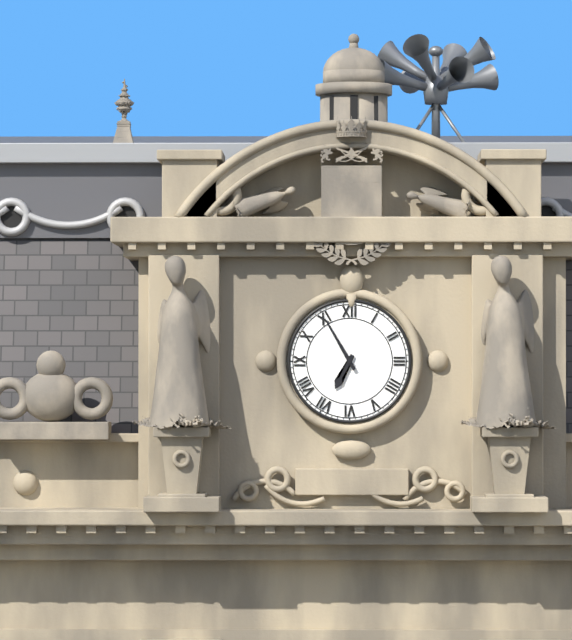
**6:55**
